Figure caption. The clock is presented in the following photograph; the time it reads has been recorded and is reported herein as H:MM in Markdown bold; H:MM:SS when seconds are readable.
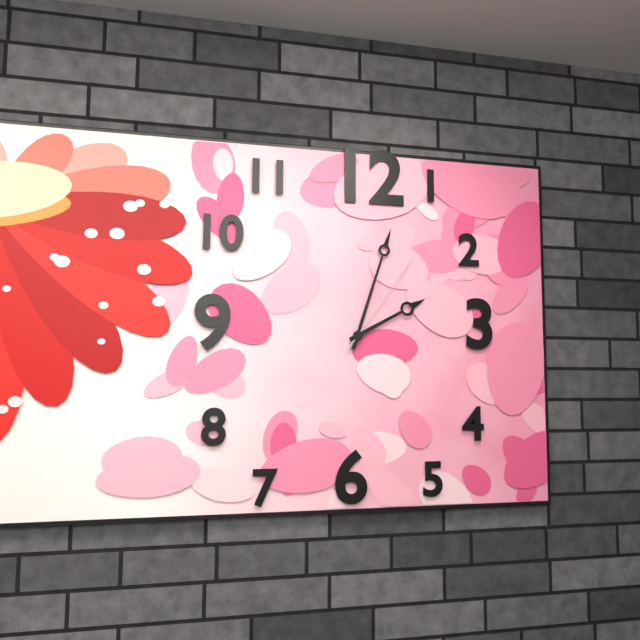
**2:03:06**
